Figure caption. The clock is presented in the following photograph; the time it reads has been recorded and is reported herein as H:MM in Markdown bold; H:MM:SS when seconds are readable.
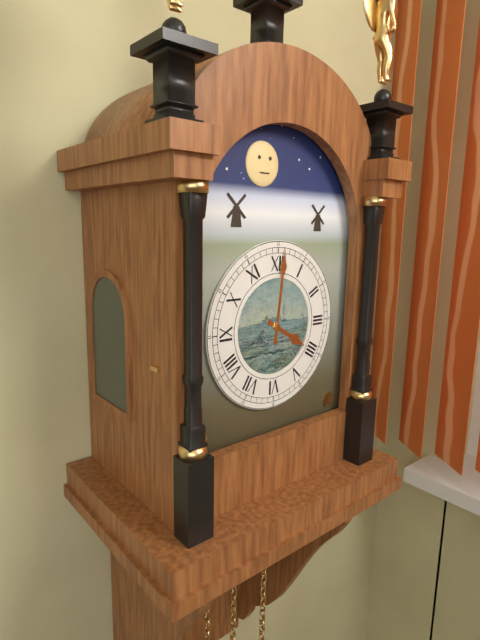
**4:01**
